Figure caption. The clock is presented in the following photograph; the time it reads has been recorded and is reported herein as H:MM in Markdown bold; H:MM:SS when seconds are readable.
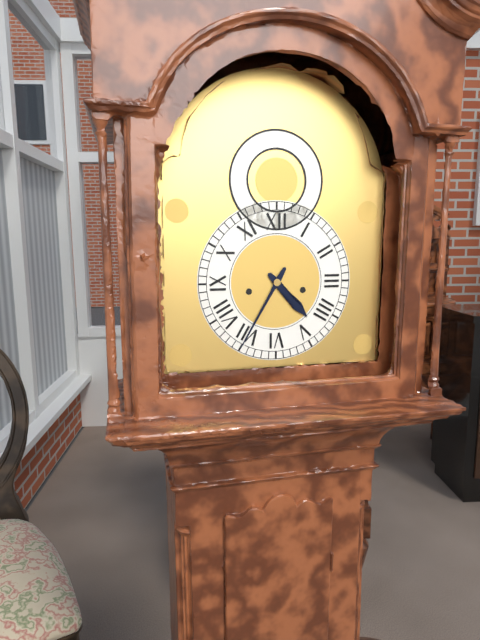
**4:35**
